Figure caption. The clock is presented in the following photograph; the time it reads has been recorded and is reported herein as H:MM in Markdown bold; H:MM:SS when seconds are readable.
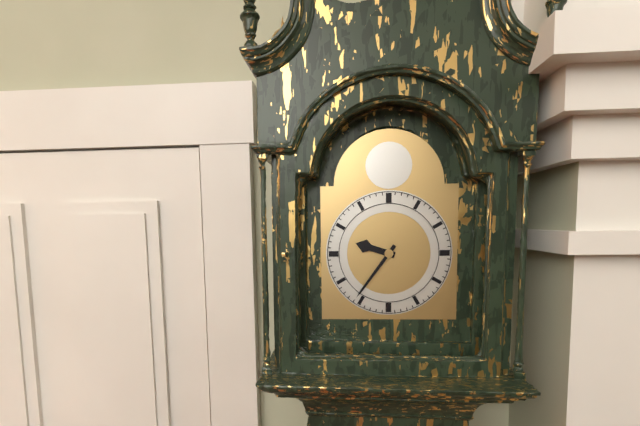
**9:36**
